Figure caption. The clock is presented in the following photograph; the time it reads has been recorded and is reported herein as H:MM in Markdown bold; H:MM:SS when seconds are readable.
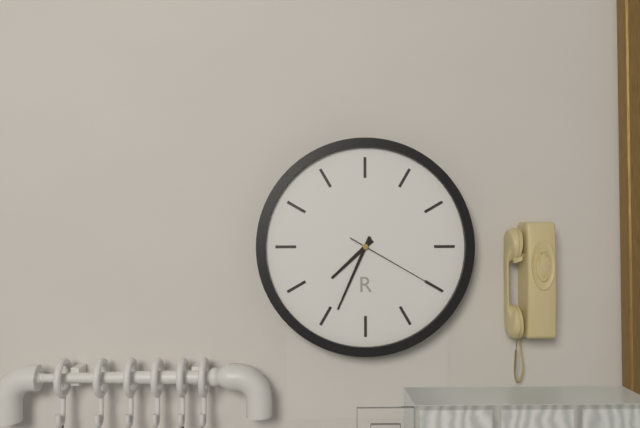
**7:34:20**
